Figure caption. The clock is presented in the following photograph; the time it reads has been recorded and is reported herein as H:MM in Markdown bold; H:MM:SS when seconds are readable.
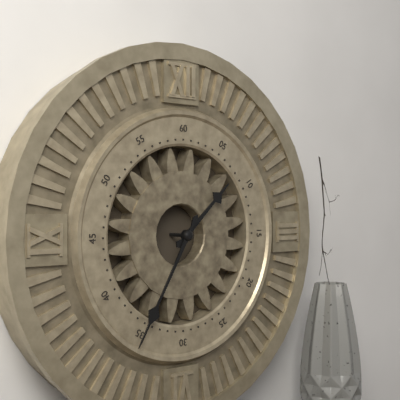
**1:35**
